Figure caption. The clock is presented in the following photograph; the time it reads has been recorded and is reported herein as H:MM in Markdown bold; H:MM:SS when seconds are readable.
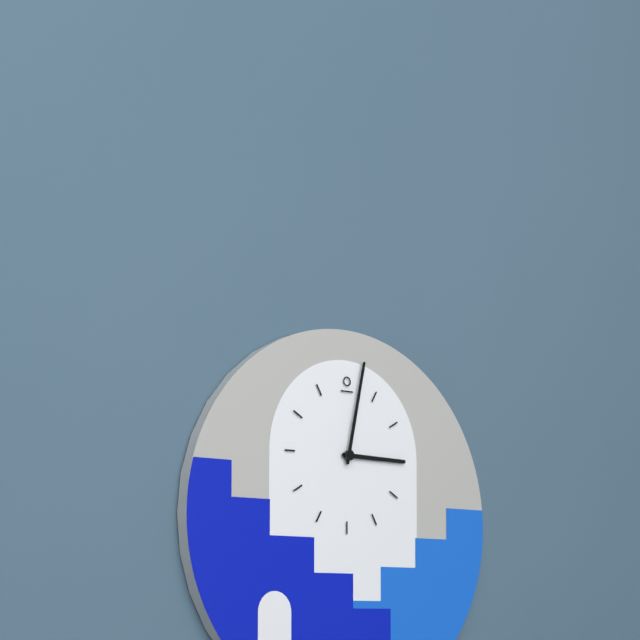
**3:02**
